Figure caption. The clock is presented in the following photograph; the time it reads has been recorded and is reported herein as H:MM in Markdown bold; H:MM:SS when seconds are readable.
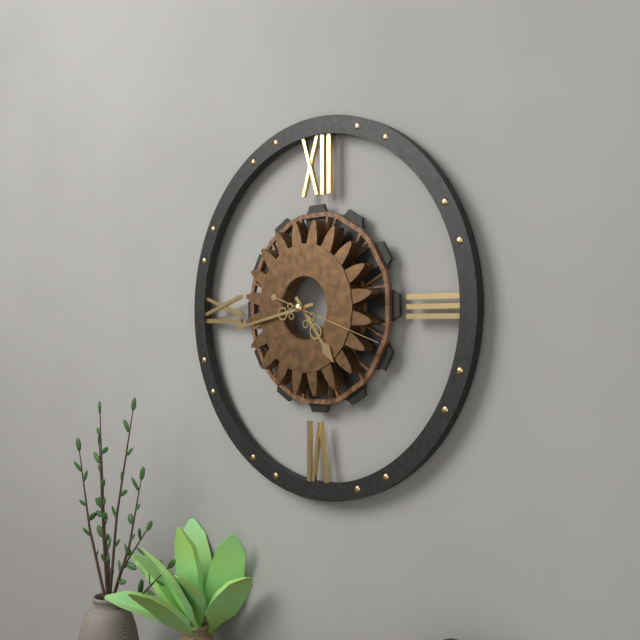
**4:43:18**
